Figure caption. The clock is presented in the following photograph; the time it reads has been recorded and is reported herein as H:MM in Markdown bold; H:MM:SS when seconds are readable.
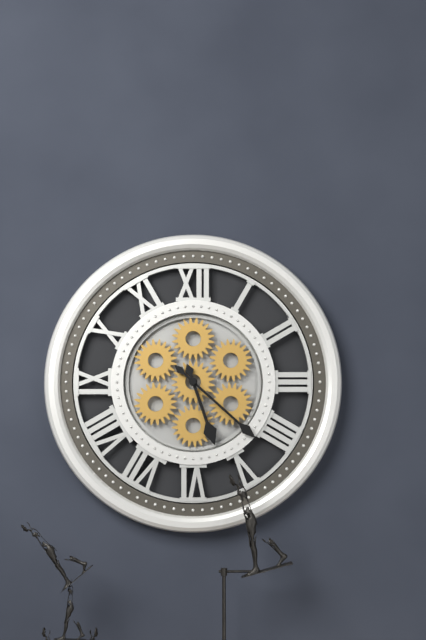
**5:22**
